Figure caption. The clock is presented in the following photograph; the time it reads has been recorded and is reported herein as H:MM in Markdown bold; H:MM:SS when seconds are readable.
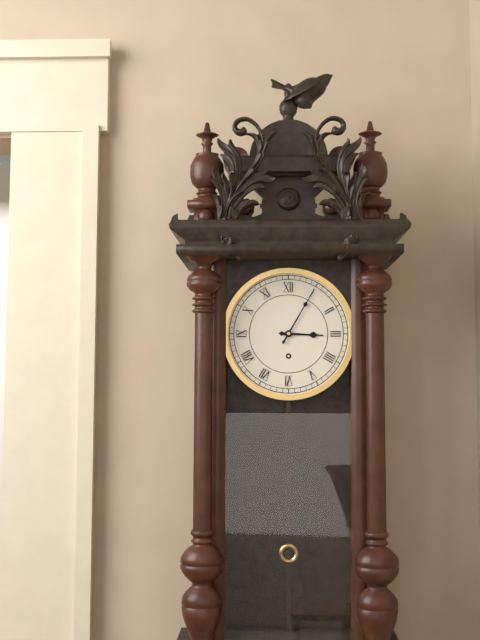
**3:05**
